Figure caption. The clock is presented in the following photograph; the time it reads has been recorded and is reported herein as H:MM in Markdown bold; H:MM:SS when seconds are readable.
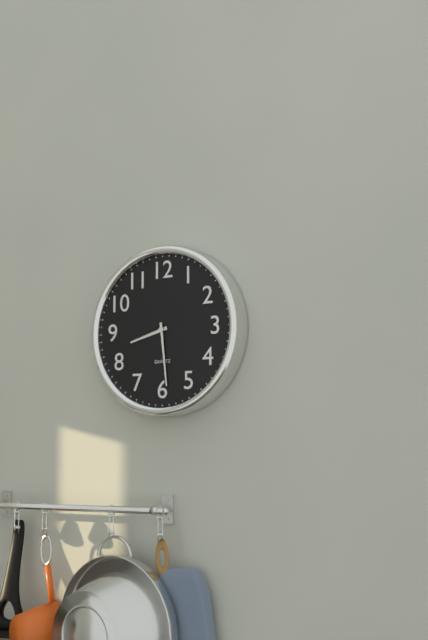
**8:29**
